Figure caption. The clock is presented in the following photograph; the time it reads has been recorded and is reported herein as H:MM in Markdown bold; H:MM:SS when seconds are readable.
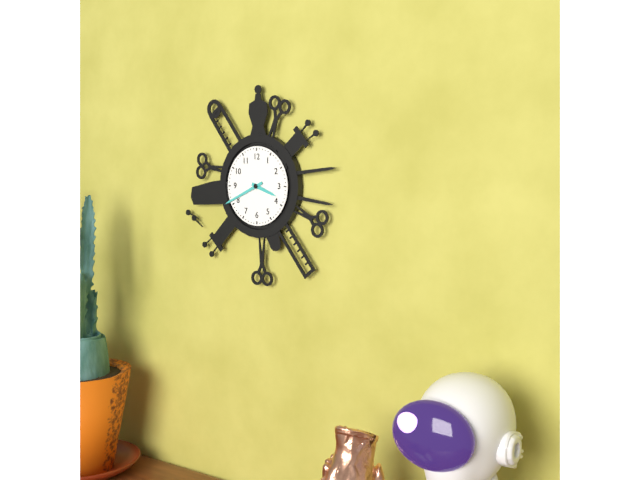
**3:41**
